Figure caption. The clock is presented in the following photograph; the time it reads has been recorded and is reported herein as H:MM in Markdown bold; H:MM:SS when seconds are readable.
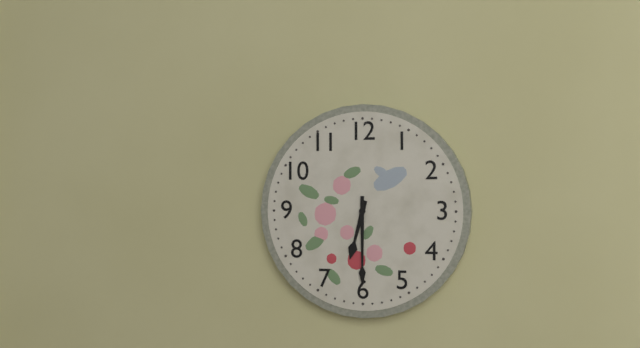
**6:30**
